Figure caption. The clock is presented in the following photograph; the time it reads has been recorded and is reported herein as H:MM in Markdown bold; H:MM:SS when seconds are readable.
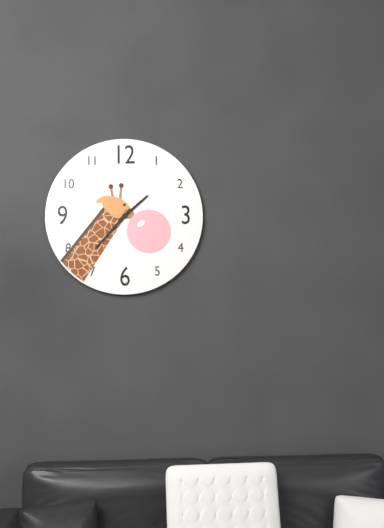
**1:37**
